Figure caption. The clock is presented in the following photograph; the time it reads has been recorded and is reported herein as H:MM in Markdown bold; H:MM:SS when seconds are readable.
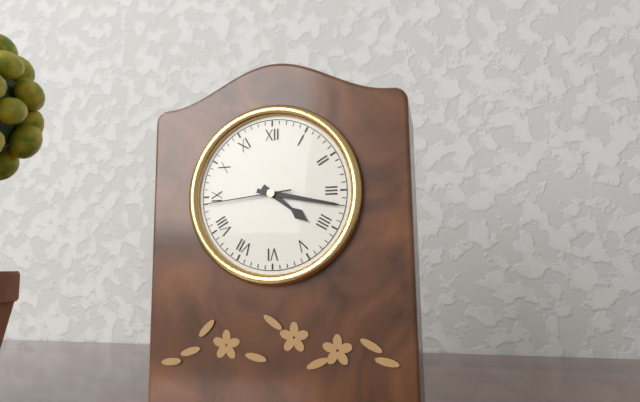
**4:17:44**
